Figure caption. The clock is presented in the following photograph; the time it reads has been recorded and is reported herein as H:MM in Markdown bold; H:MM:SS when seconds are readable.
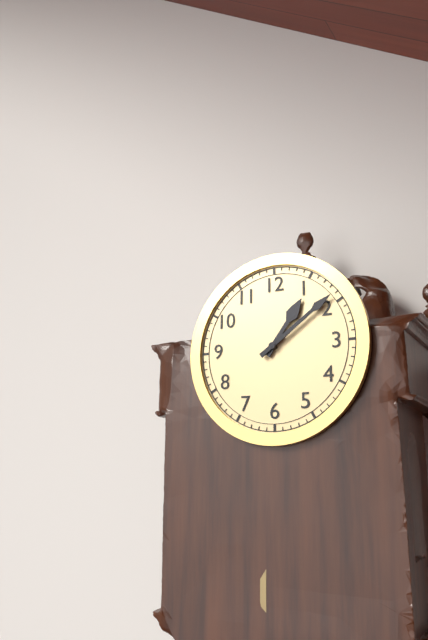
**1:09**
